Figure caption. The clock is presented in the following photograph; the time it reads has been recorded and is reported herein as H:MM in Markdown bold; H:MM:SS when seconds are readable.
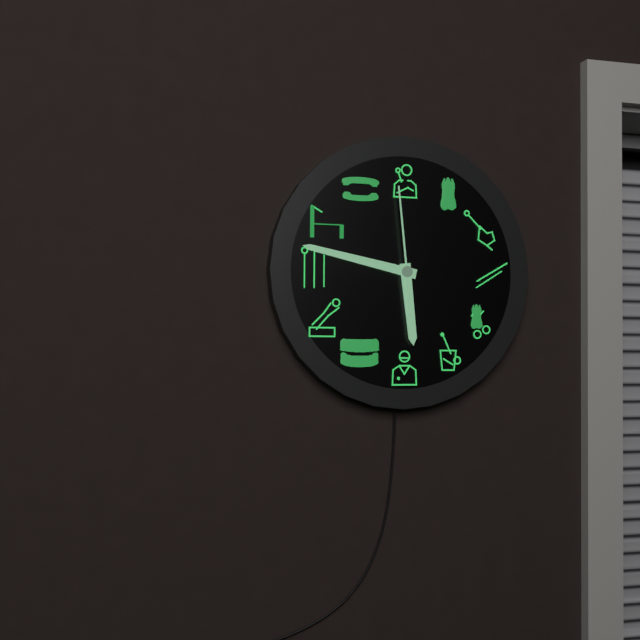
**5:47:59**
